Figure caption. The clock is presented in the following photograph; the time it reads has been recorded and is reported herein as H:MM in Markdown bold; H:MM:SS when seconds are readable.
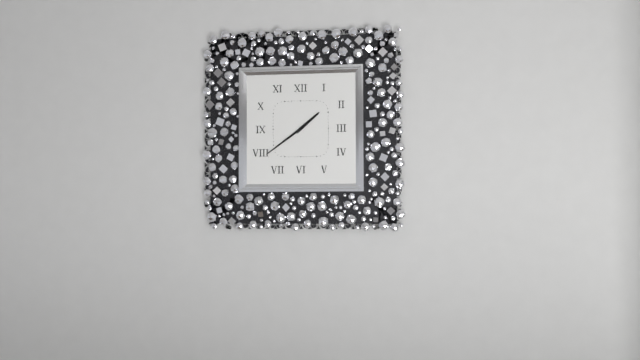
**1:39**
